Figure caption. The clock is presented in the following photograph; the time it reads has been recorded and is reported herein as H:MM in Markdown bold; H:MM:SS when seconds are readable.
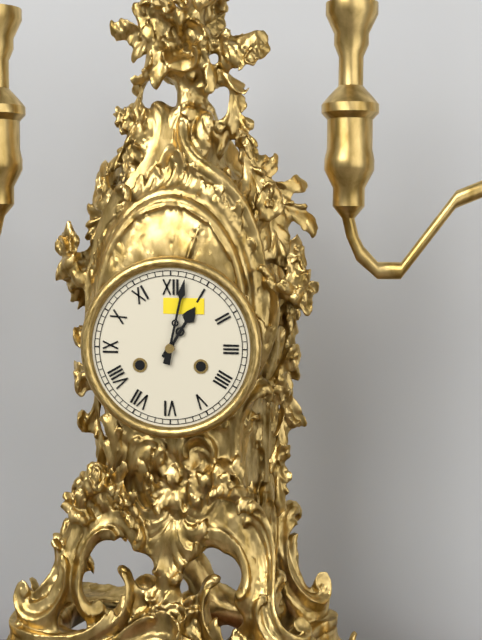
**1:02**
